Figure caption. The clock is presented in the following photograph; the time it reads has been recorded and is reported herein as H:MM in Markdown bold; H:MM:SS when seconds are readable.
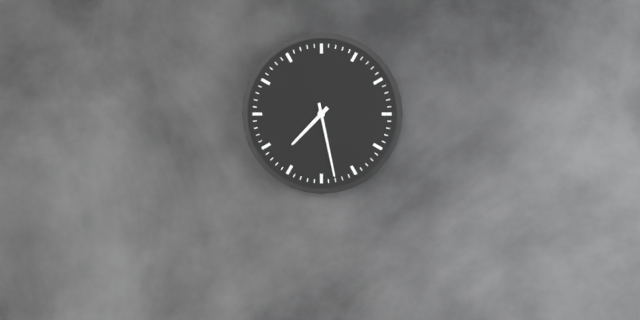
**7:28**
